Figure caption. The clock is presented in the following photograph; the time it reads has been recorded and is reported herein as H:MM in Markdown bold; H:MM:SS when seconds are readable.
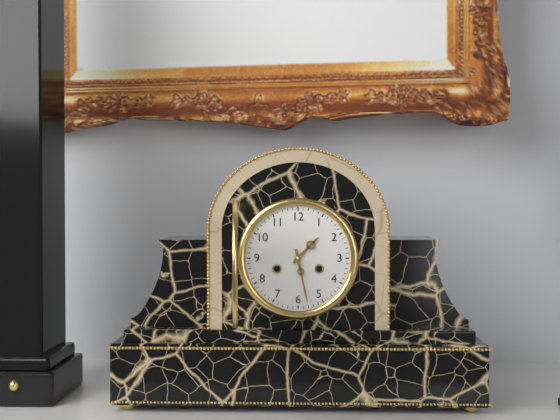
**1:28**
